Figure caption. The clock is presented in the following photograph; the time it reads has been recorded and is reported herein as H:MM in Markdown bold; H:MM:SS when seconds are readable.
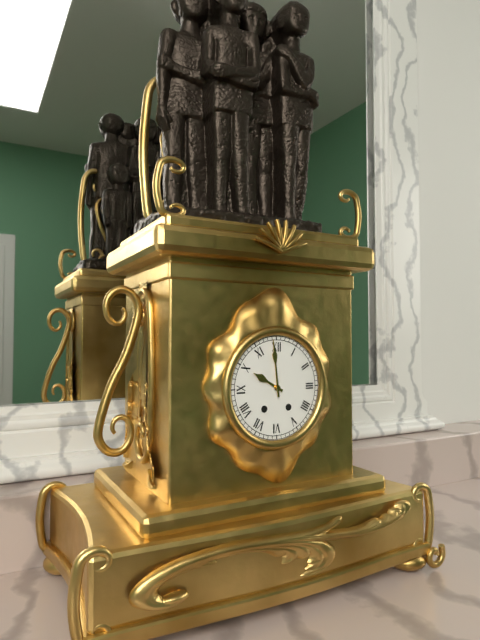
**9:59**
